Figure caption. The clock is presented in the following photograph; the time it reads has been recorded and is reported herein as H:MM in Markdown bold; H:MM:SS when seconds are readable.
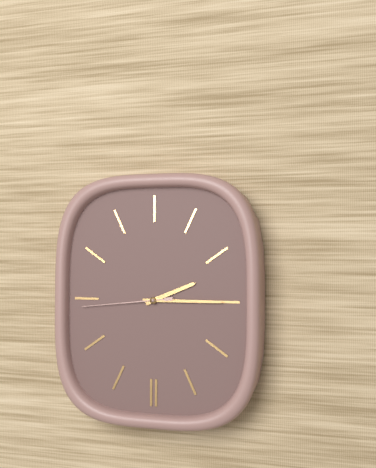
**2:15:44**
